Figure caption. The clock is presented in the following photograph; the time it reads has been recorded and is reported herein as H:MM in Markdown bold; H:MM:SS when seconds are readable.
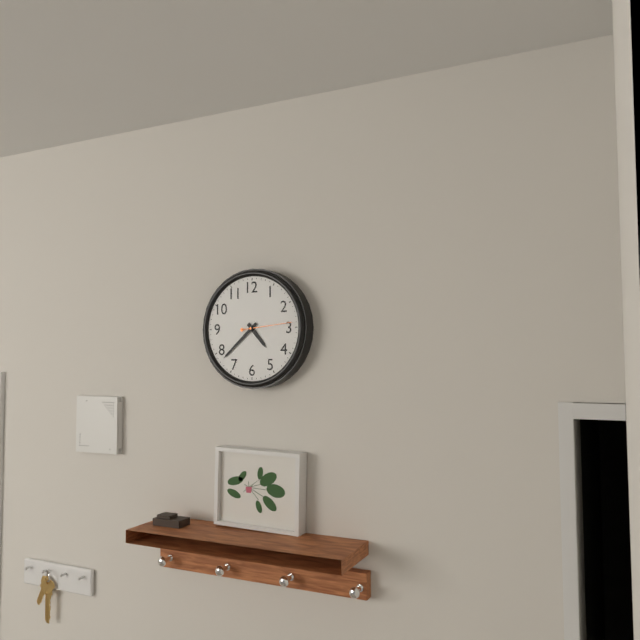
**4:38:14**
